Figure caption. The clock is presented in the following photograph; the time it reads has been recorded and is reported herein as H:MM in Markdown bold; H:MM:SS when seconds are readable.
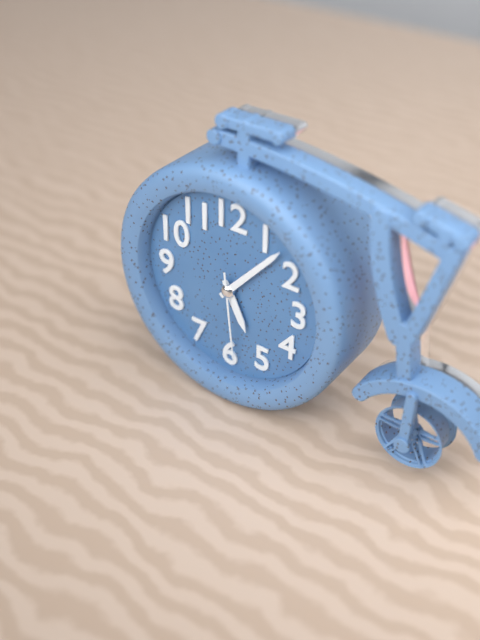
**5:07:29**
